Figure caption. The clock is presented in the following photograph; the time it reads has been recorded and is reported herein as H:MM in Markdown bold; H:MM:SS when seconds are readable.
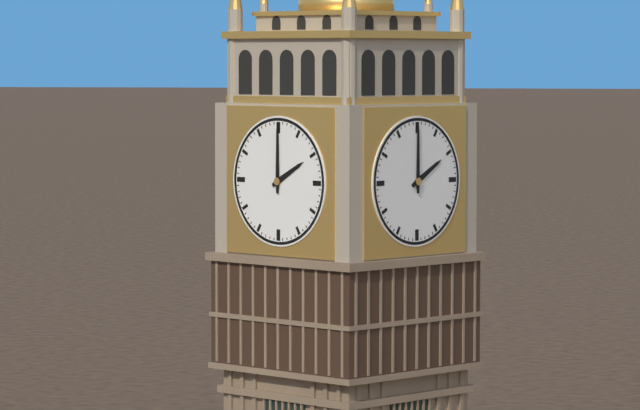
**2:00**
